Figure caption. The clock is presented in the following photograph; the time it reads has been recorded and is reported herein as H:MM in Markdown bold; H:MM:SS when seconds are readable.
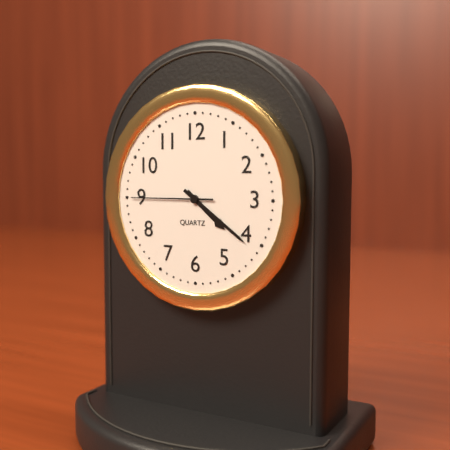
**4:21:45**
